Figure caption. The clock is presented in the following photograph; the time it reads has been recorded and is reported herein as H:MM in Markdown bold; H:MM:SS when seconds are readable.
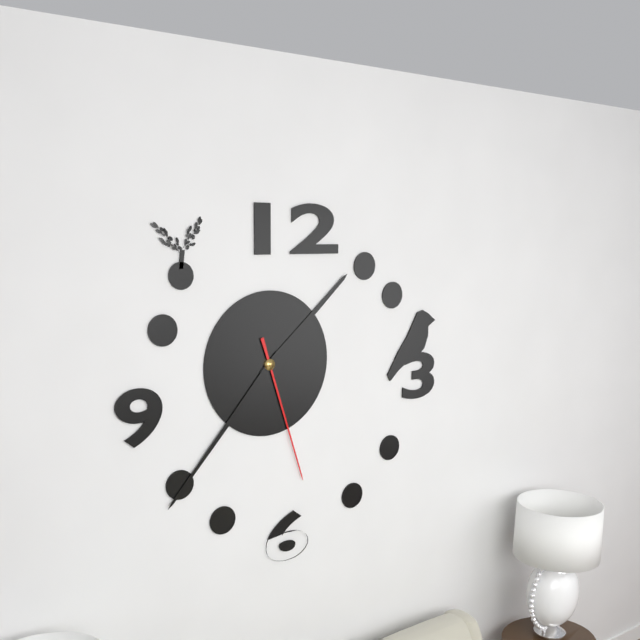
**1:37:27**
